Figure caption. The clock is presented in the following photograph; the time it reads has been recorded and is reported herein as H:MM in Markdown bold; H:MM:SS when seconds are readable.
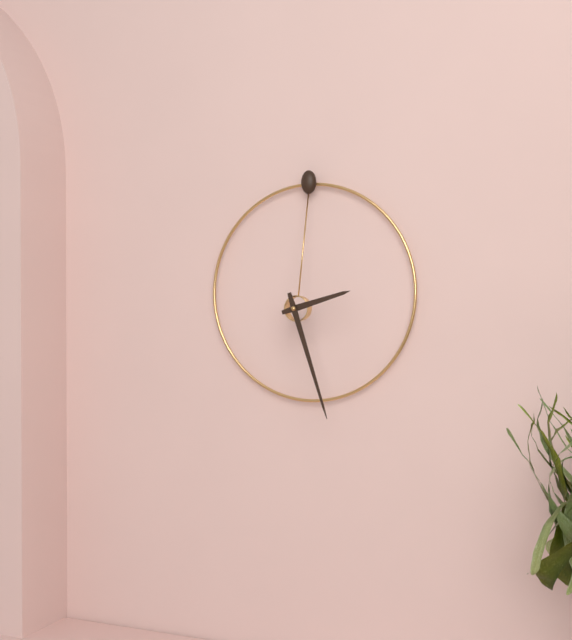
**2:27**
